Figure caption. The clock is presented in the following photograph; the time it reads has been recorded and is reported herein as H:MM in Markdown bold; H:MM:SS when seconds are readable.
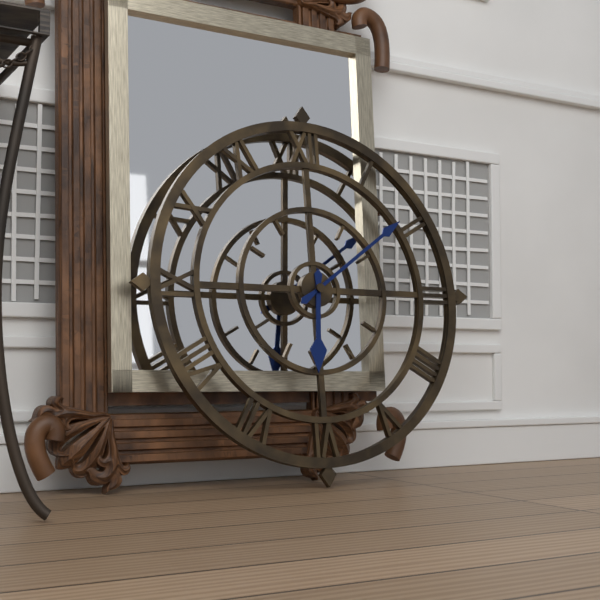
**6:09**
